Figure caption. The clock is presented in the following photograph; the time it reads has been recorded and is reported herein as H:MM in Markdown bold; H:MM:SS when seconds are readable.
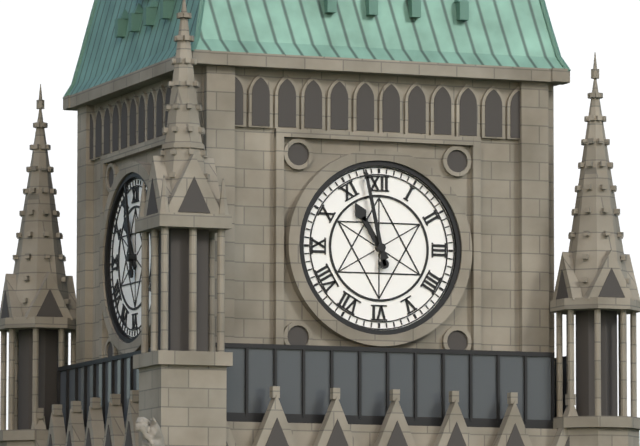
**10:58**
